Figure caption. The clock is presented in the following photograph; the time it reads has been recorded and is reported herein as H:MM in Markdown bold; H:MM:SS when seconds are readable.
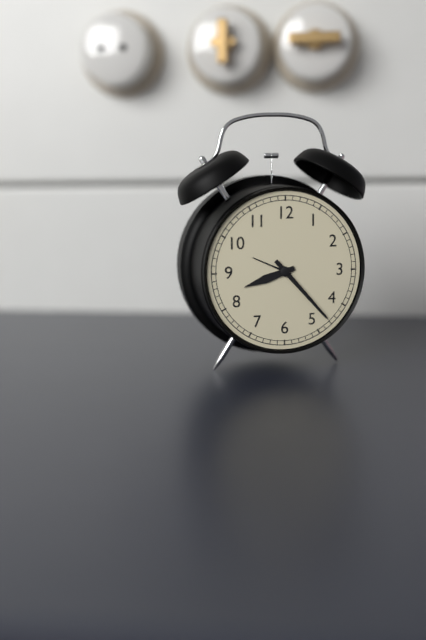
**8:23**
